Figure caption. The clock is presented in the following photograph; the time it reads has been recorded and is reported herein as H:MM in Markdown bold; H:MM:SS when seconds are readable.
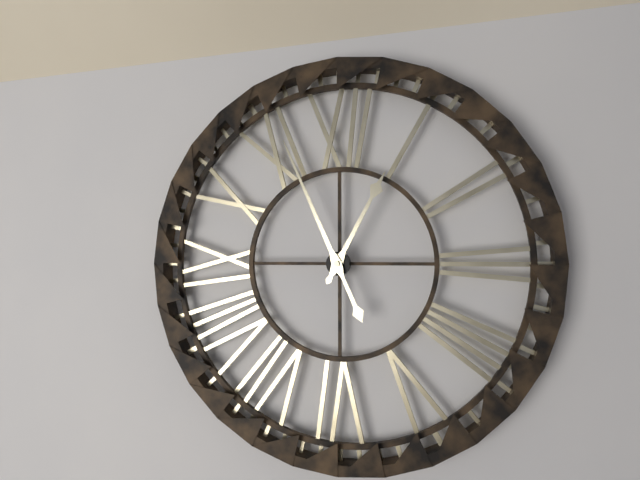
**12:56**
